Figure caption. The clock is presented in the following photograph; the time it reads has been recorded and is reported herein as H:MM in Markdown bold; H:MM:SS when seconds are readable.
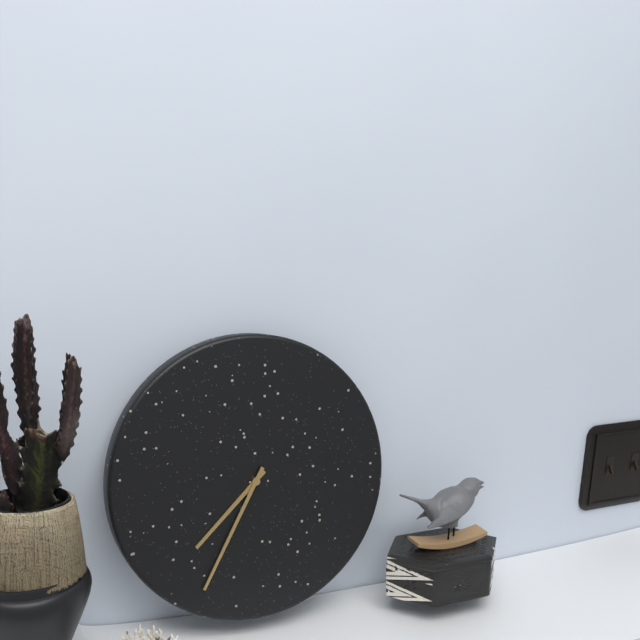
**7:35**
